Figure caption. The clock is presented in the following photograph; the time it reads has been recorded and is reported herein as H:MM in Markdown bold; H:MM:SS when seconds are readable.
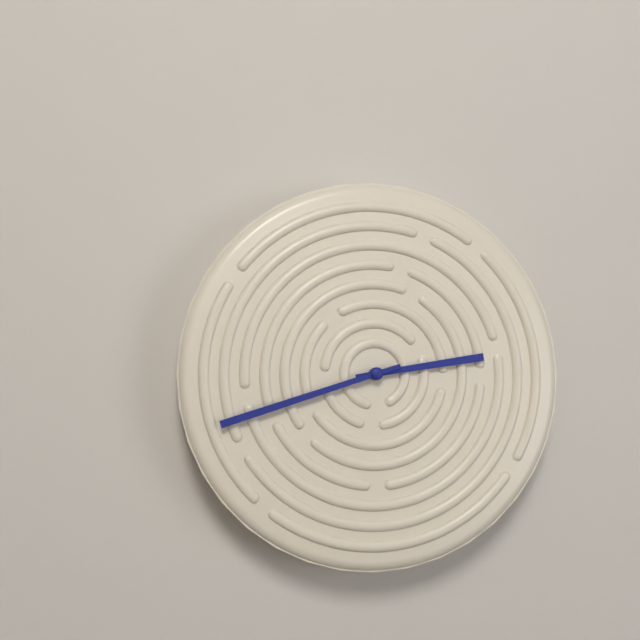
**2:42**
